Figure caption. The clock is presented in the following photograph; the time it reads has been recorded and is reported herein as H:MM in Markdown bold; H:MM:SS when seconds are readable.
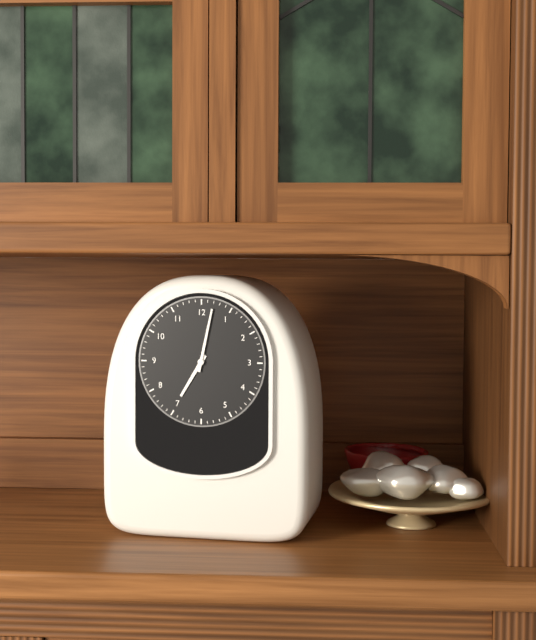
**7:02**
